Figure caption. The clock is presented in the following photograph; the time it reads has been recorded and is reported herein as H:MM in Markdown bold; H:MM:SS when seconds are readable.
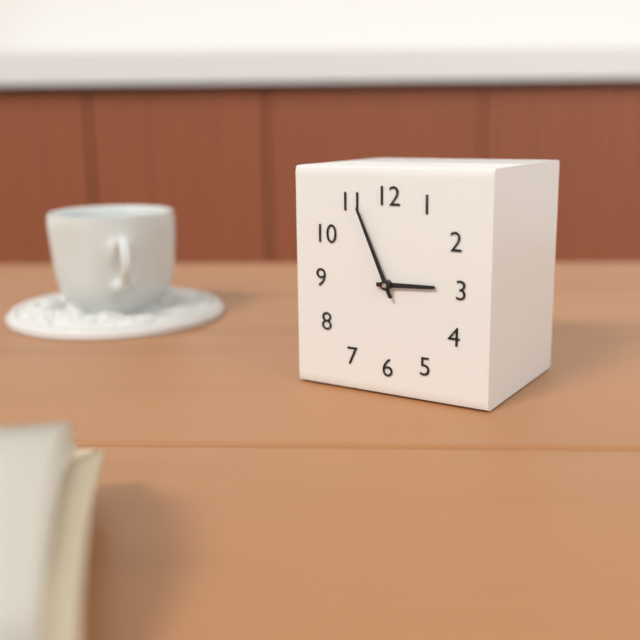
**2:56**
